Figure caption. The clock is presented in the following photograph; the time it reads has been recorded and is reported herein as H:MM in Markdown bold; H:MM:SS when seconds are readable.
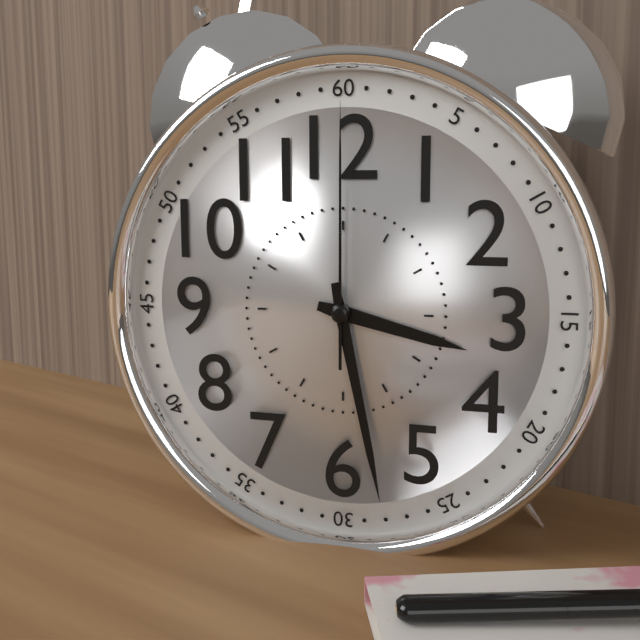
**3:28:00**
